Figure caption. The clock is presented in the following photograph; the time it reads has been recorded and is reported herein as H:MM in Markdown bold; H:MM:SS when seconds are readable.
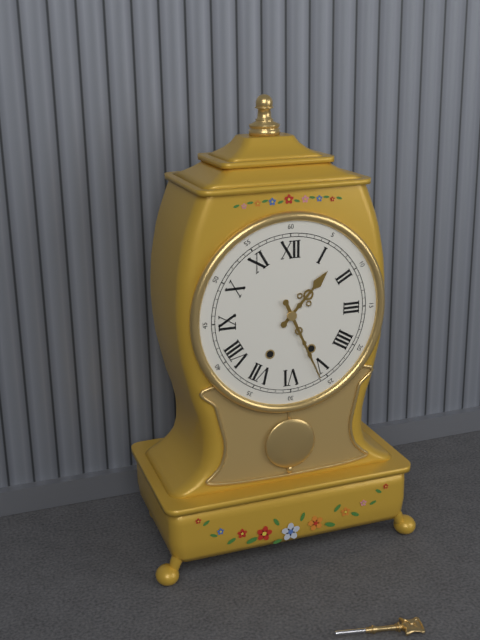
**1:26**
